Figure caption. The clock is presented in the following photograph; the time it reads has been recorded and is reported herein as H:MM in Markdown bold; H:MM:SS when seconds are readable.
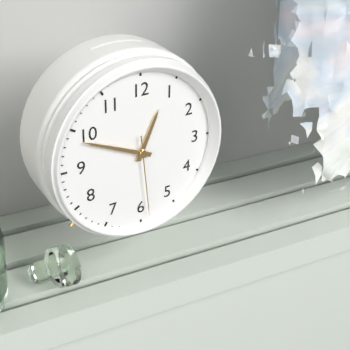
**12:49:29**
